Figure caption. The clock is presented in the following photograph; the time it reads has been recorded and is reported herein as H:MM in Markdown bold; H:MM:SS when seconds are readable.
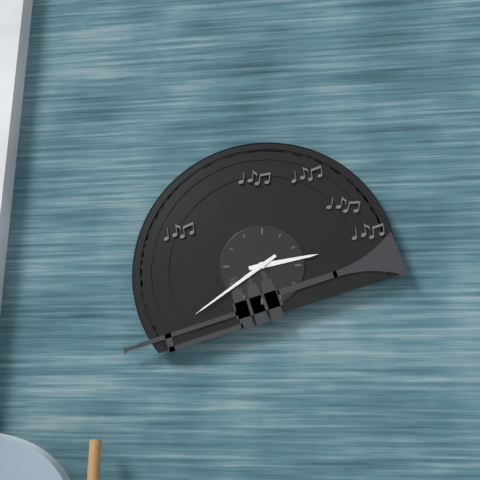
**2:39**
